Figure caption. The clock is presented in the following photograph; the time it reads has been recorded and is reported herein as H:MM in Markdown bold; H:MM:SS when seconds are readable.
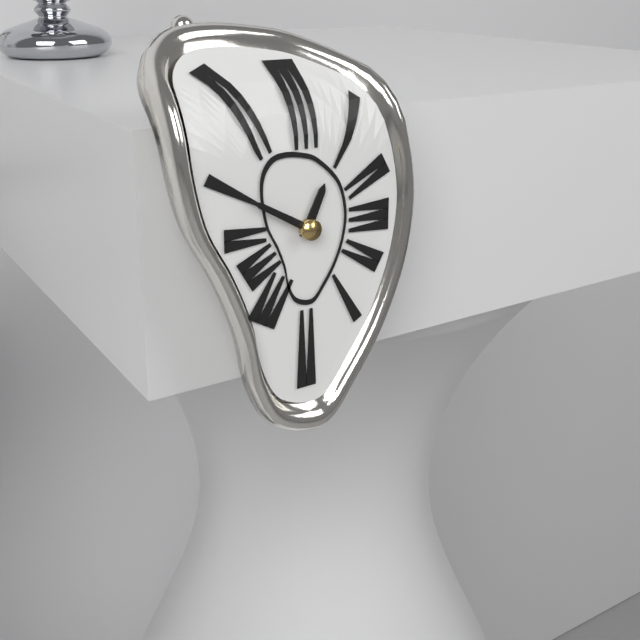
**12:50**
